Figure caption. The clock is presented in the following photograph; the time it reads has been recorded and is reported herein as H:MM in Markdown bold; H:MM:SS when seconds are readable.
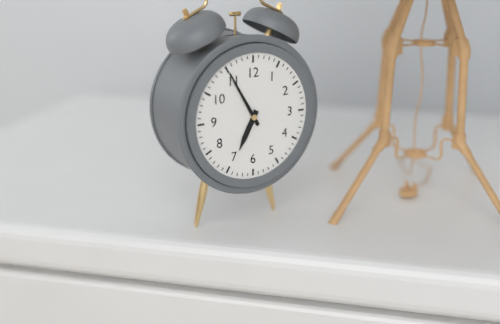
**6:55**
